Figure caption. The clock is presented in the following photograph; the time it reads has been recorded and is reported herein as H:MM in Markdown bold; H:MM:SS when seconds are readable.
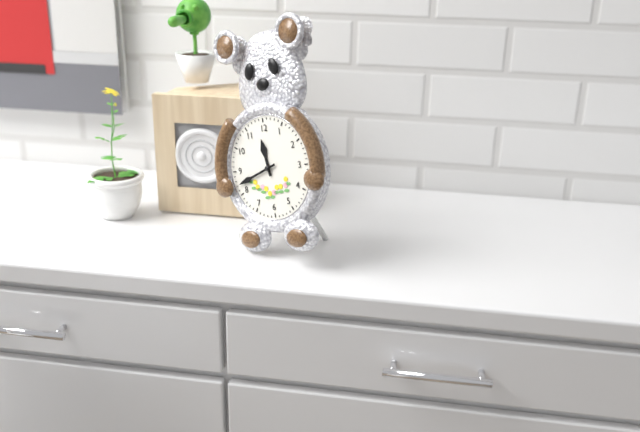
**11:42**
